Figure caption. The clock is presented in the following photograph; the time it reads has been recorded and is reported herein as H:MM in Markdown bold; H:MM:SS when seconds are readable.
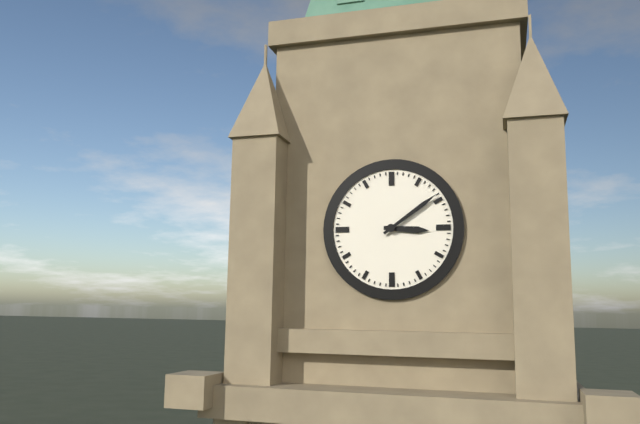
**3:09**
